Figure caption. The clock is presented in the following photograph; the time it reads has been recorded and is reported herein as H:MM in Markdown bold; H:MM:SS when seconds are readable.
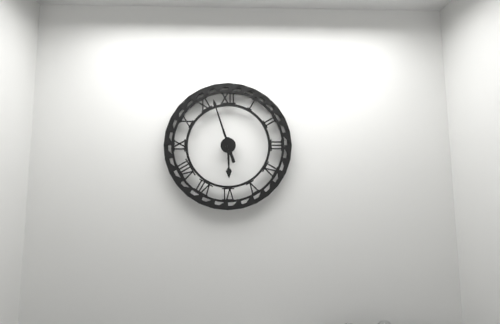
**5:57**
